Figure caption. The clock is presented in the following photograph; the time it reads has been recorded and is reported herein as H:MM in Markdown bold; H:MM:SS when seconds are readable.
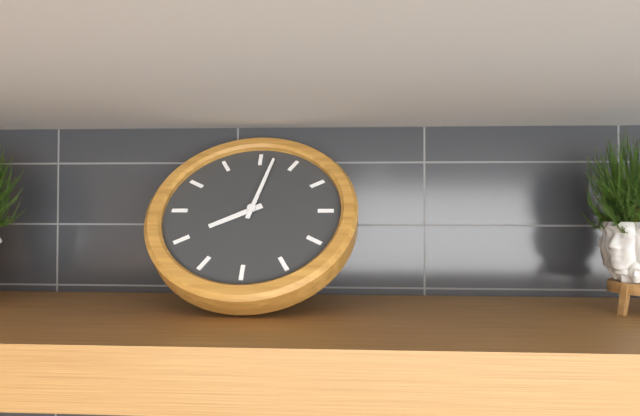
**8:02**
